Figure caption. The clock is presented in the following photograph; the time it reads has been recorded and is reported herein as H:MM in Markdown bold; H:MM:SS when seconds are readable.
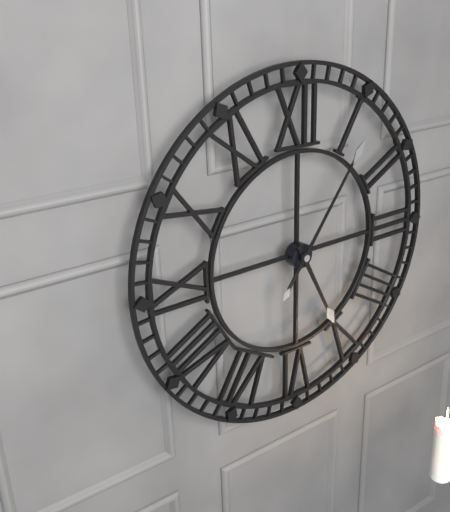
**5:06**
